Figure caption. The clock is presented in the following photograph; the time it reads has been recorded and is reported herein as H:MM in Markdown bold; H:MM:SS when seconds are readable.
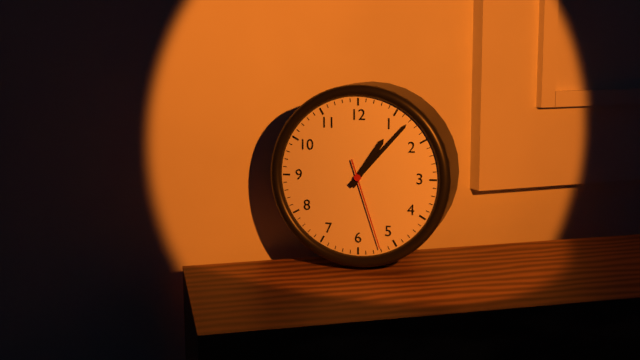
**1:07:27**
